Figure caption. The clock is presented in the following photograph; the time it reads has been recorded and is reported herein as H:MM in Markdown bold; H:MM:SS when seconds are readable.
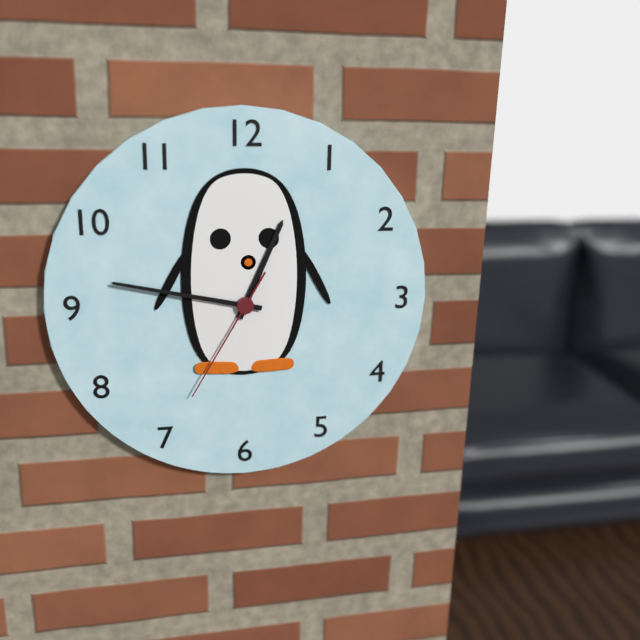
**12:47:35**
